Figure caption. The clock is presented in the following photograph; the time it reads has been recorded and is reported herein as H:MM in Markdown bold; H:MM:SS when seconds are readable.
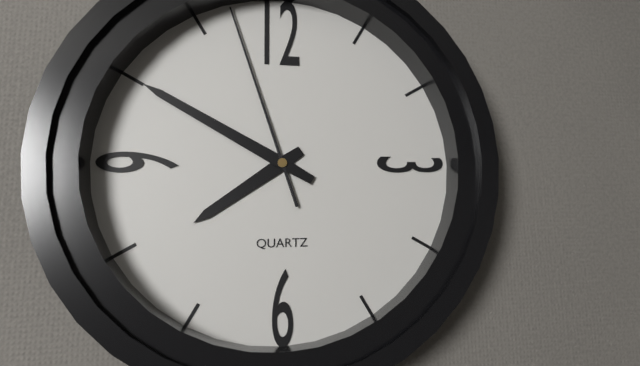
**7:50:57**
